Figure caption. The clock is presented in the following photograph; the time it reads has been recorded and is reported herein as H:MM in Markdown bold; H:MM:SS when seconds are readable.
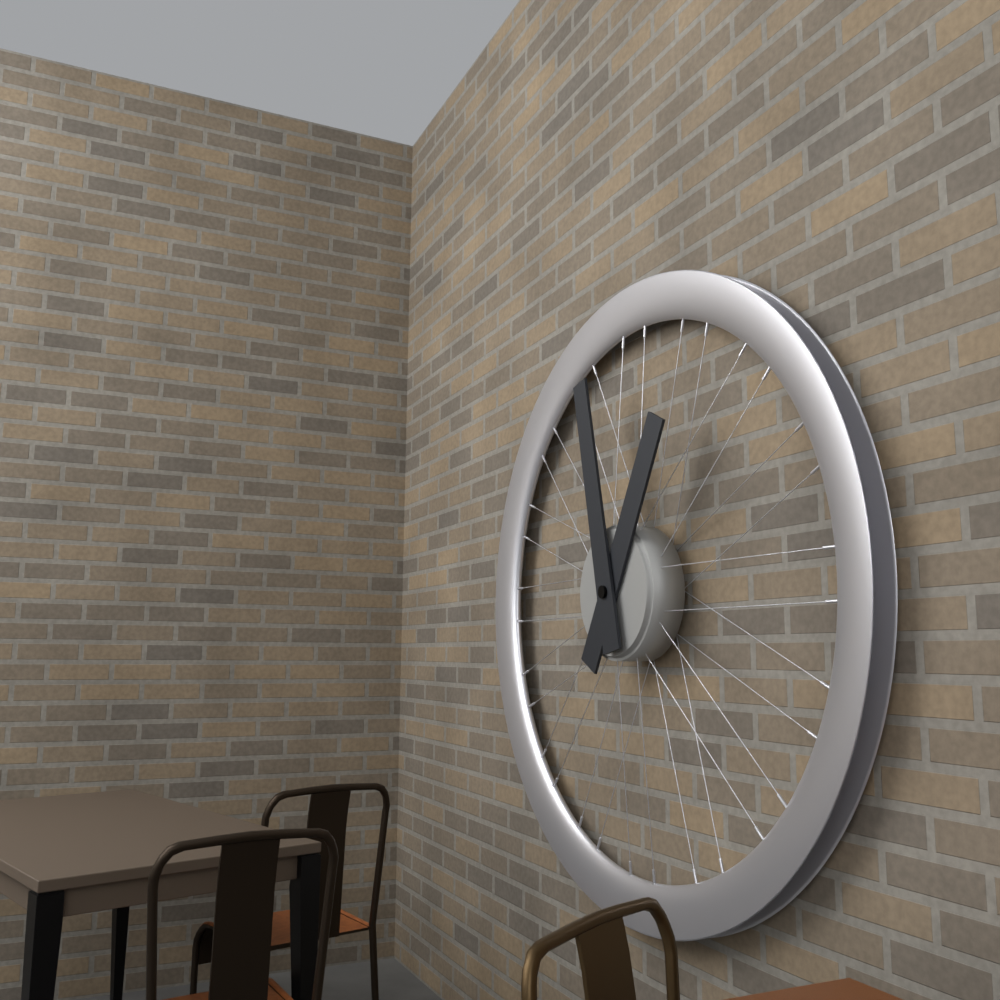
**12:58**
